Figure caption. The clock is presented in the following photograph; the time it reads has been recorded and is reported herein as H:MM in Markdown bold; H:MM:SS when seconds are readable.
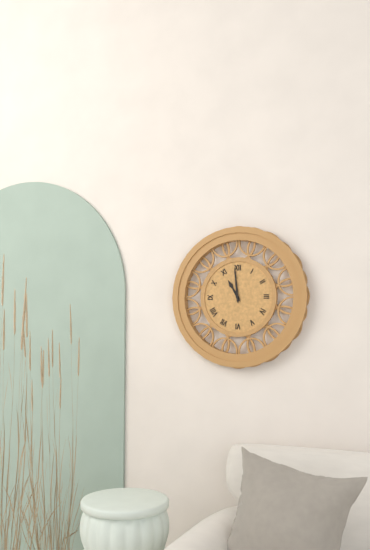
**10:59**
